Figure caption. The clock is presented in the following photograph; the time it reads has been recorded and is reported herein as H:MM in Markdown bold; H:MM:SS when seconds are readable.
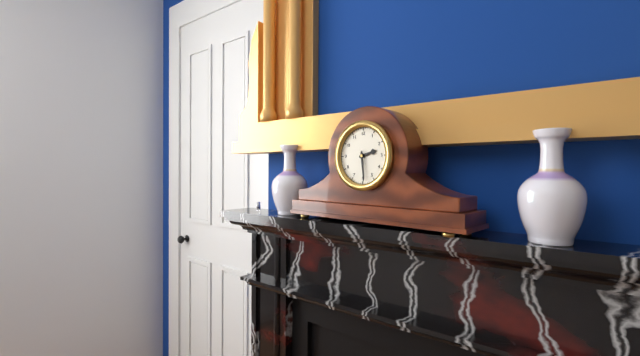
**2:29**
